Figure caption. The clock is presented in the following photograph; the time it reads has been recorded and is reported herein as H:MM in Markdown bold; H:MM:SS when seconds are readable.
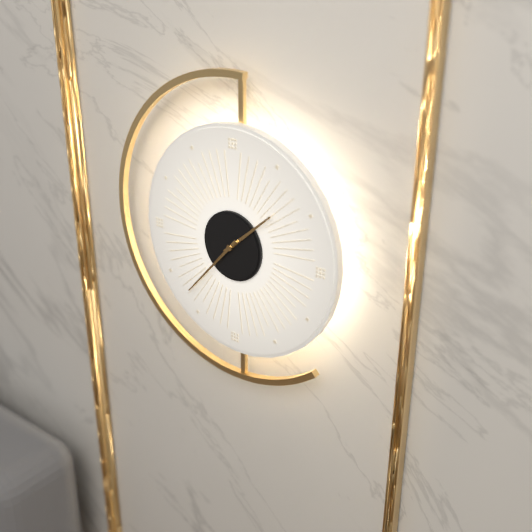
**1:37**
